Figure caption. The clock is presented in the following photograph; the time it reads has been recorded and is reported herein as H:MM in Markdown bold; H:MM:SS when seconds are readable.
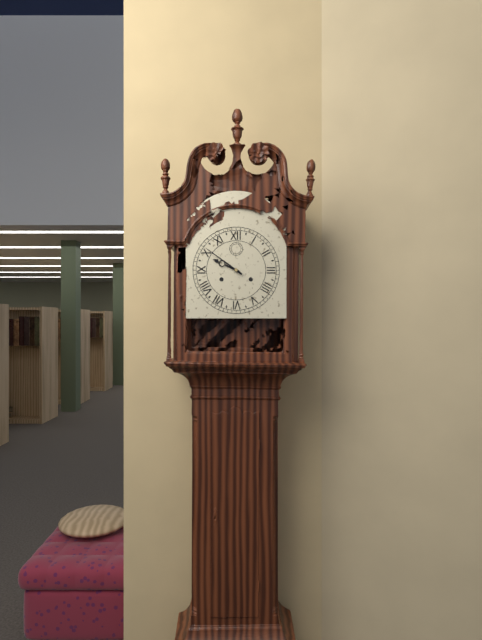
**9:51**
